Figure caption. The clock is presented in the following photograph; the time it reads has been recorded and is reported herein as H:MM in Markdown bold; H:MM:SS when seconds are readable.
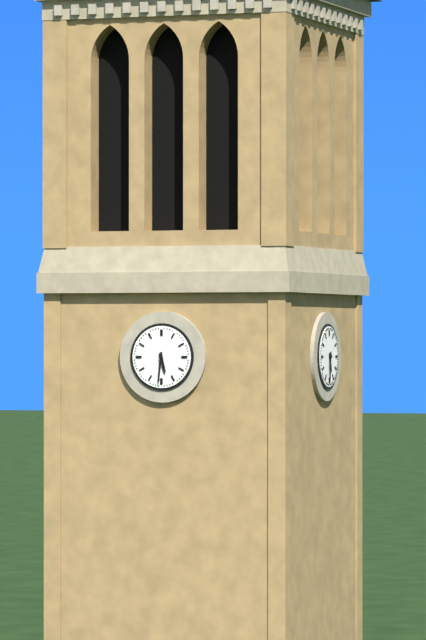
**5:31**
